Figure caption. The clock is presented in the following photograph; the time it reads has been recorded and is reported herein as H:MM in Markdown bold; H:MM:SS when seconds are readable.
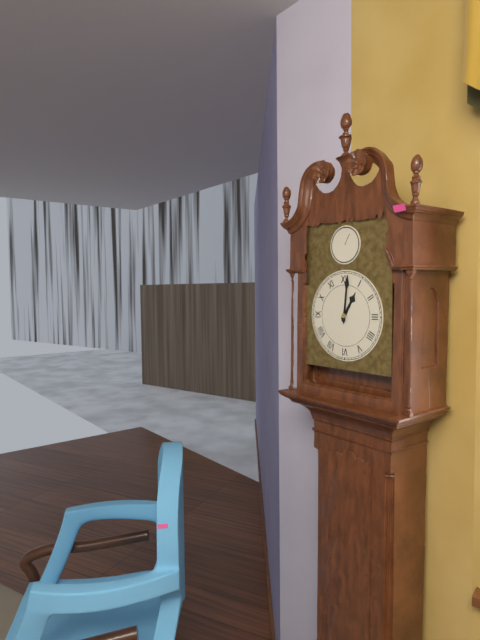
**1:01**
